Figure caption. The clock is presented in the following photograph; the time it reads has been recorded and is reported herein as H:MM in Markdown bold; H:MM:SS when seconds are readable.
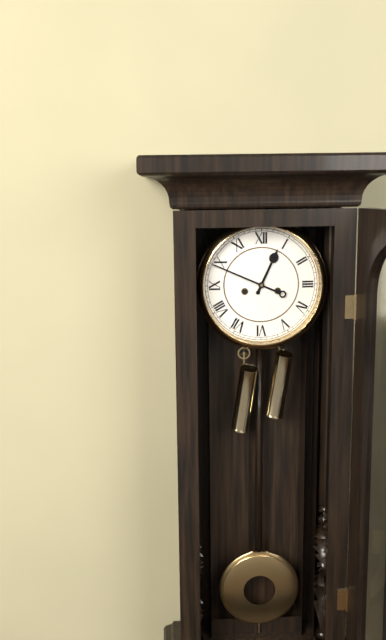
**12:49**
